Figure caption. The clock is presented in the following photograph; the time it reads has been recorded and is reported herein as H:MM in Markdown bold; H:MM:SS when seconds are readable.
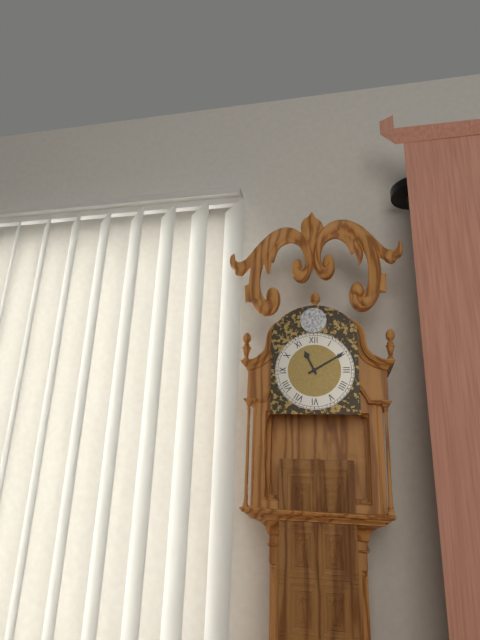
**11:10**
